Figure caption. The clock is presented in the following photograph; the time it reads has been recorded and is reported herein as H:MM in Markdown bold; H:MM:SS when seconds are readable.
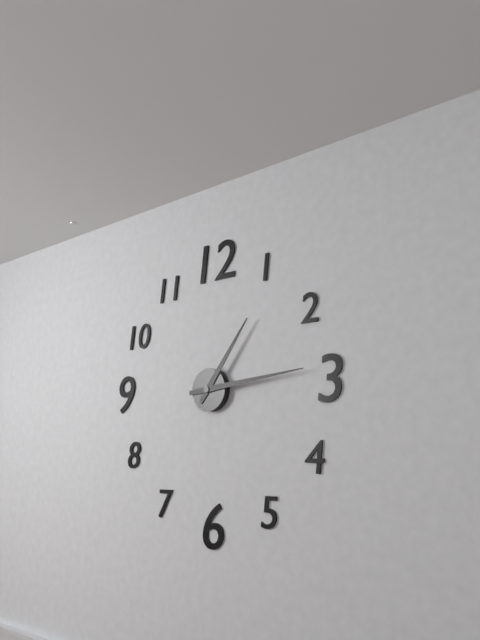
**1:14**
